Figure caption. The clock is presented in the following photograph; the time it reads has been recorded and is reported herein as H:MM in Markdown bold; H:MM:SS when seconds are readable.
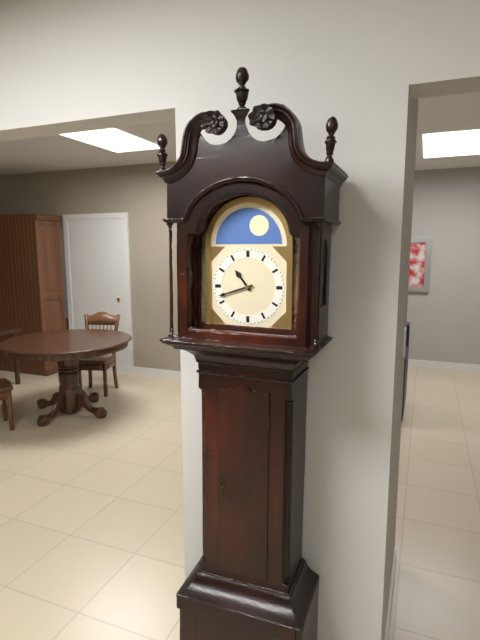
**10:42**
